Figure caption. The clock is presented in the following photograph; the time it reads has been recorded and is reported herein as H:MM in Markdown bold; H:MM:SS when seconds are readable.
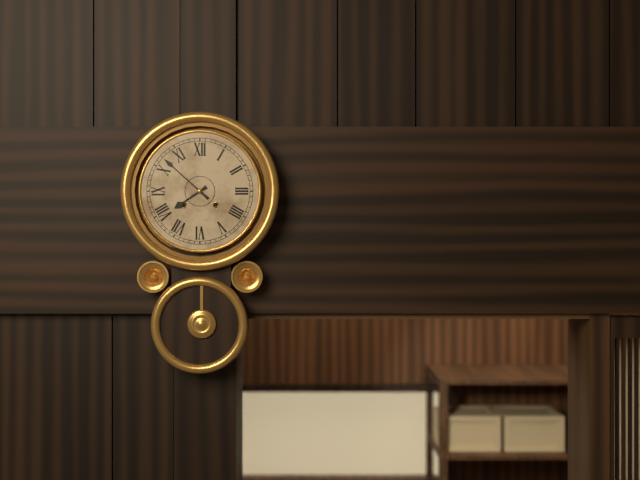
**7:52**
